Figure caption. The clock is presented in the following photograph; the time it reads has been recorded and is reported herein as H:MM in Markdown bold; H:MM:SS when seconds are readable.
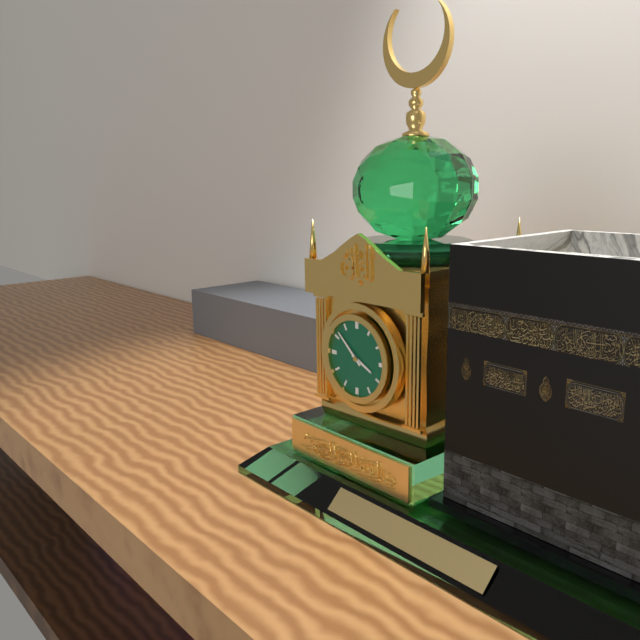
**3:52**
